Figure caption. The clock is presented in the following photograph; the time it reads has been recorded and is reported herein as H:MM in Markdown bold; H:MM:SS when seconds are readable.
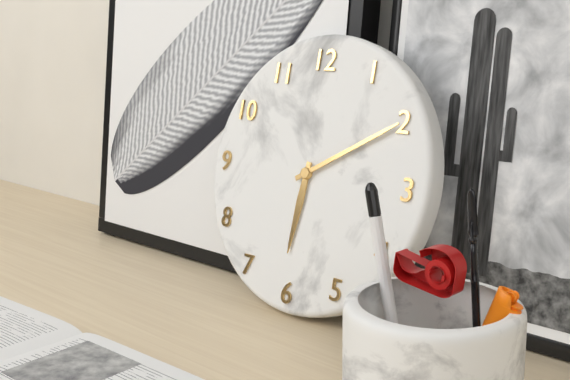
**6:10**
